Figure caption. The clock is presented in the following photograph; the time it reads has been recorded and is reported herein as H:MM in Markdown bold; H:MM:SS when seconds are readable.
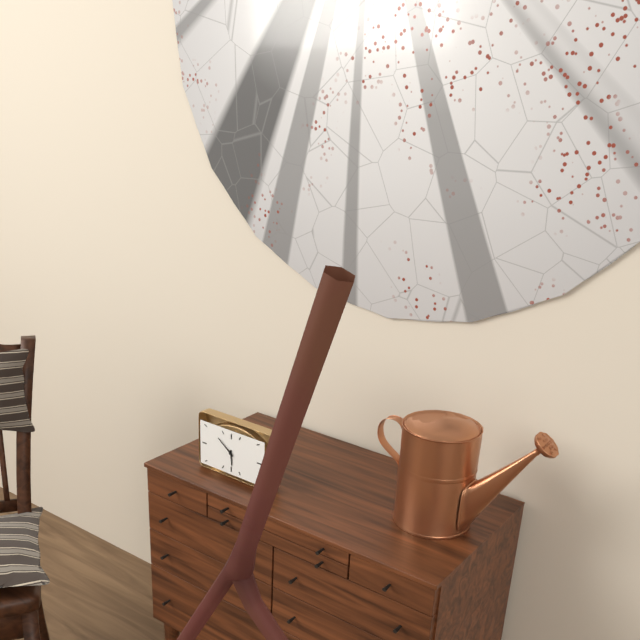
**5:51**
